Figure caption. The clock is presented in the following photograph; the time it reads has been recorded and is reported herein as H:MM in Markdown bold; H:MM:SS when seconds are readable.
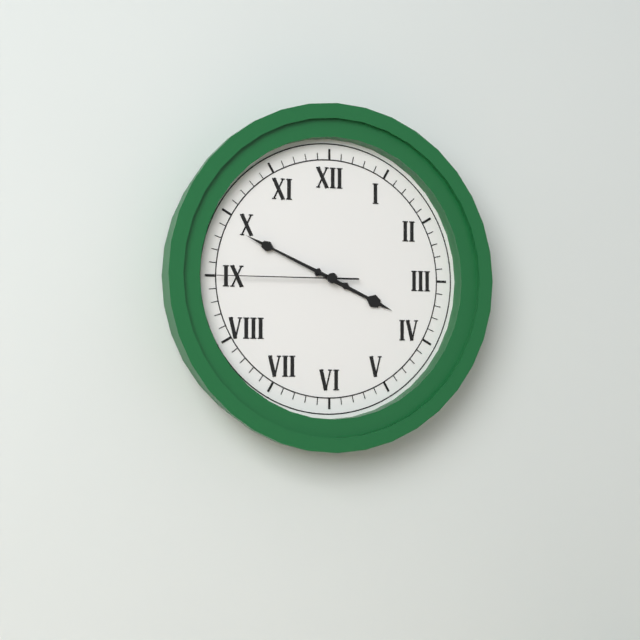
**3:49:45**
